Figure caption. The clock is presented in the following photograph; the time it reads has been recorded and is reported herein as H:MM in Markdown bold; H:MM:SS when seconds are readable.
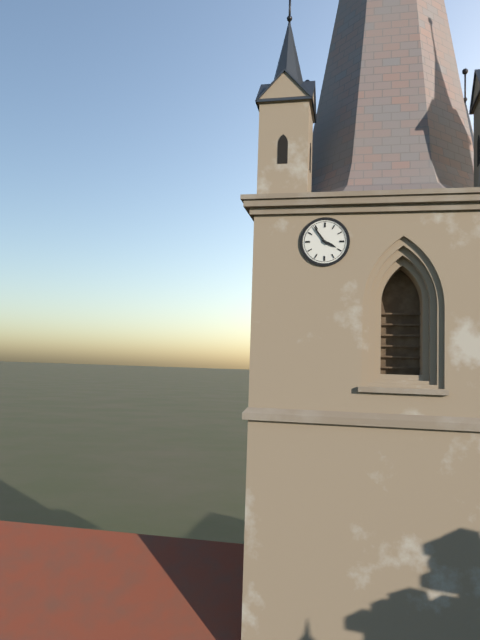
**3:54**
